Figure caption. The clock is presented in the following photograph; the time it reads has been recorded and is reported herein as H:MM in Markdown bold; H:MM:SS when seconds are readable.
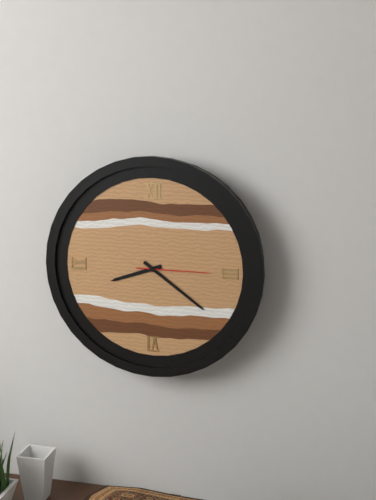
**8:21:15**
